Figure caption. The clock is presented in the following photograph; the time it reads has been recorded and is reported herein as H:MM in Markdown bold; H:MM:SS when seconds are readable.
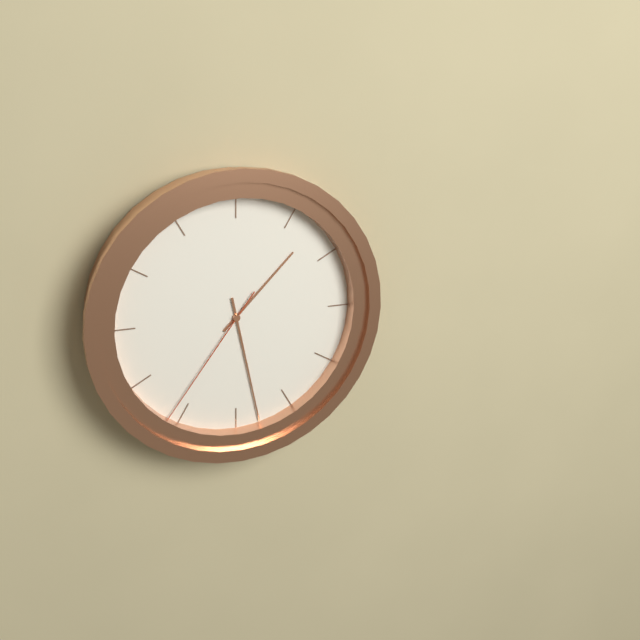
**1:28:36**
